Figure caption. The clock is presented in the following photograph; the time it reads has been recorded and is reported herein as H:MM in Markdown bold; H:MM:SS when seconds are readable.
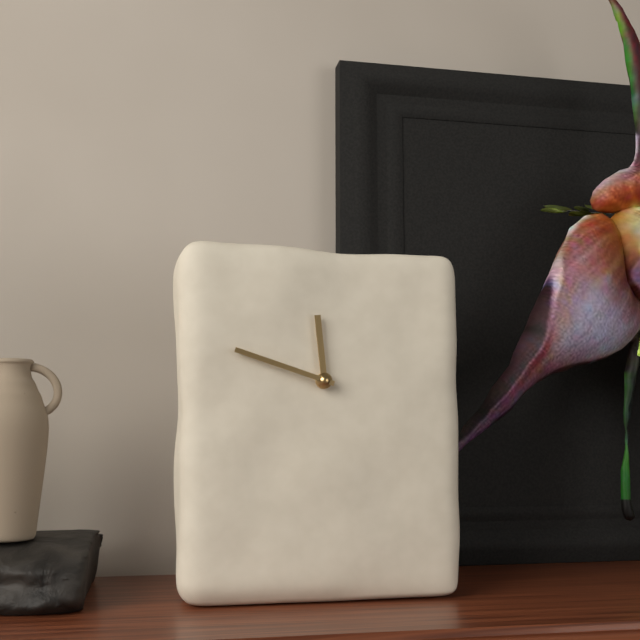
**11:48**
